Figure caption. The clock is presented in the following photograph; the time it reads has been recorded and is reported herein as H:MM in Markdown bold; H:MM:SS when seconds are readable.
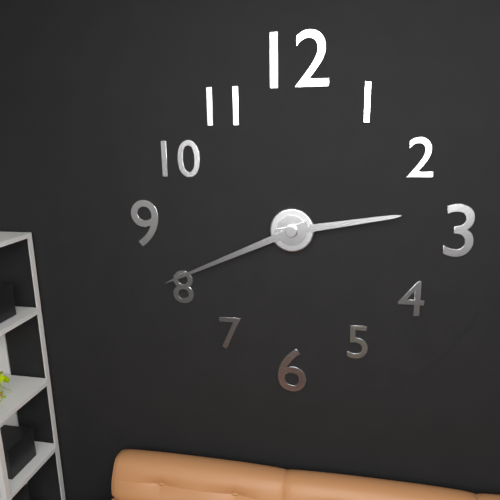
**2:41**
